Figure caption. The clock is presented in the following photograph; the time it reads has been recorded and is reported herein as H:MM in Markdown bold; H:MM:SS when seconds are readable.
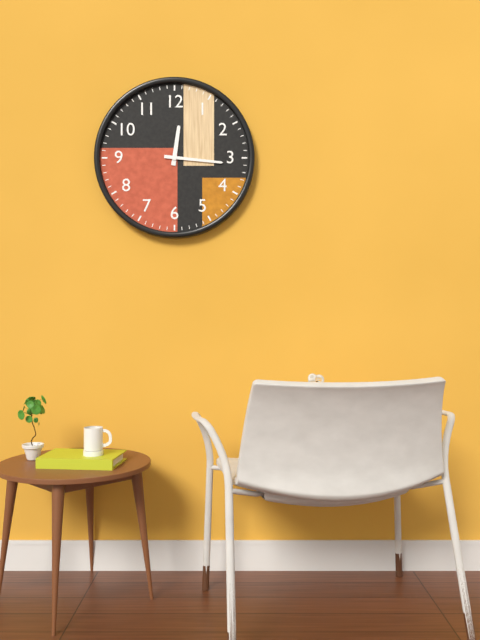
**12:16**
